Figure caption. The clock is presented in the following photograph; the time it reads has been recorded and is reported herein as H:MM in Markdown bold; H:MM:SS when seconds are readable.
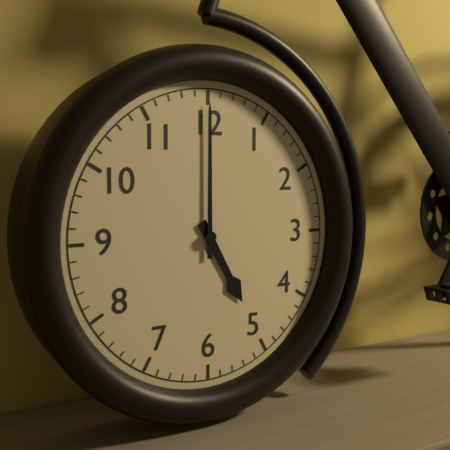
**5:00**
